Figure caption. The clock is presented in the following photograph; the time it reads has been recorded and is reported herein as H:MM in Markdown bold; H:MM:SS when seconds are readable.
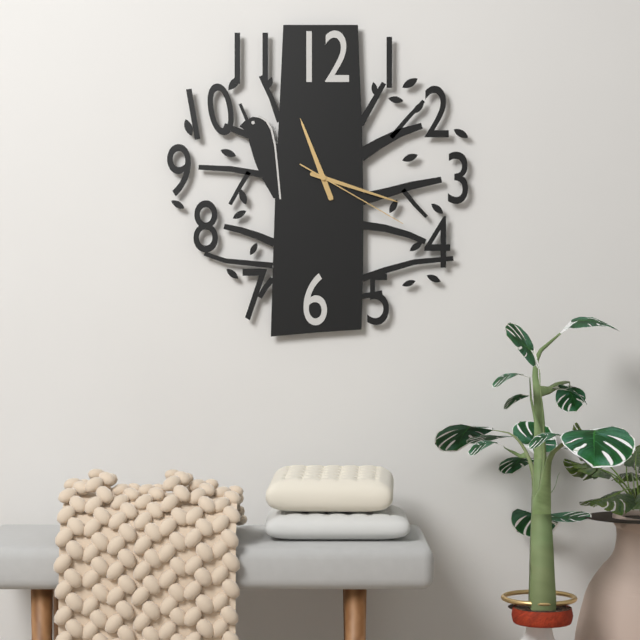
**11:18:20**
